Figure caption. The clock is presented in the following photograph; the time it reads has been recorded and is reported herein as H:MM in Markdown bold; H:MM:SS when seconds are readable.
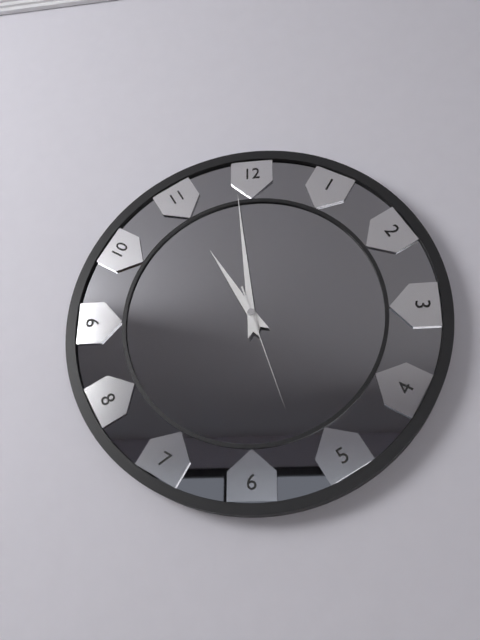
**10:59:27**
